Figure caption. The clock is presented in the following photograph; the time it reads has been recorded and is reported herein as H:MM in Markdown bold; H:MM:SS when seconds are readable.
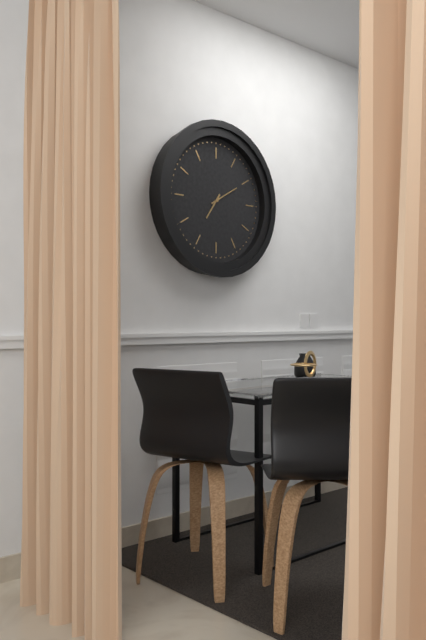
**7:10**
